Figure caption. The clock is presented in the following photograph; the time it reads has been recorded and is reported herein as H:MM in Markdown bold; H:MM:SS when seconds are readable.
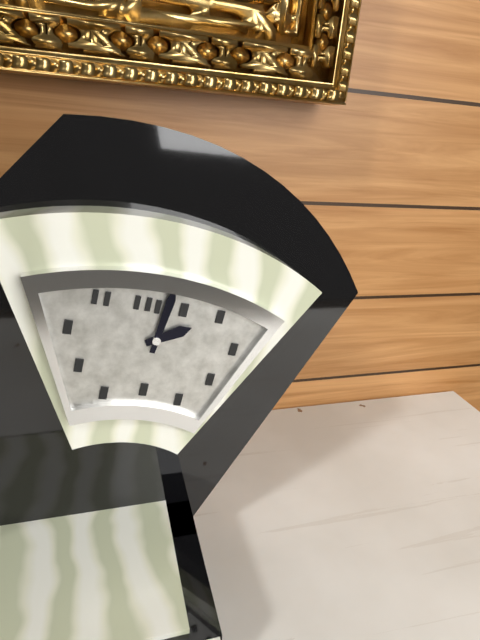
**2:01**
